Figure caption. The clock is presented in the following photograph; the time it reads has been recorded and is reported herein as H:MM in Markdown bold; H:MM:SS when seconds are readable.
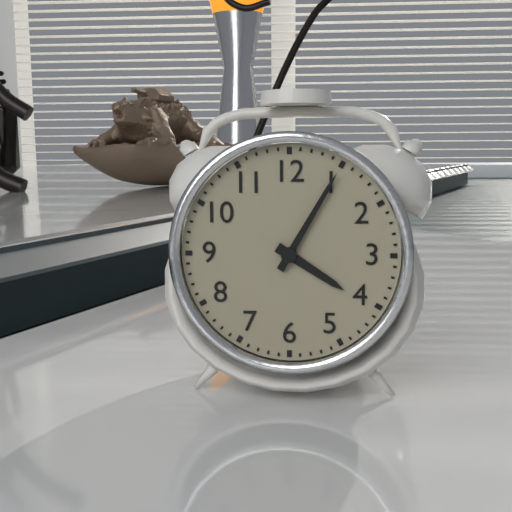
**4:05**
